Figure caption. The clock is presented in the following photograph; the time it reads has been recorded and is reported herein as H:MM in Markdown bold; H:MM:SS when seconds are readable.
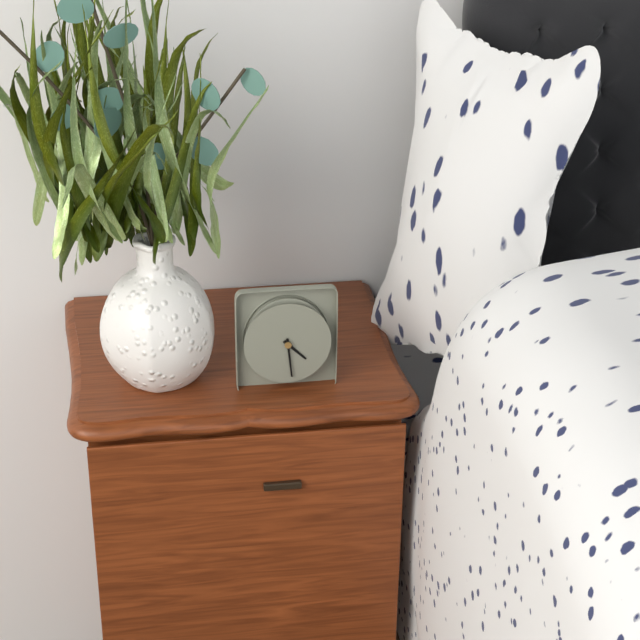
**4:29**
